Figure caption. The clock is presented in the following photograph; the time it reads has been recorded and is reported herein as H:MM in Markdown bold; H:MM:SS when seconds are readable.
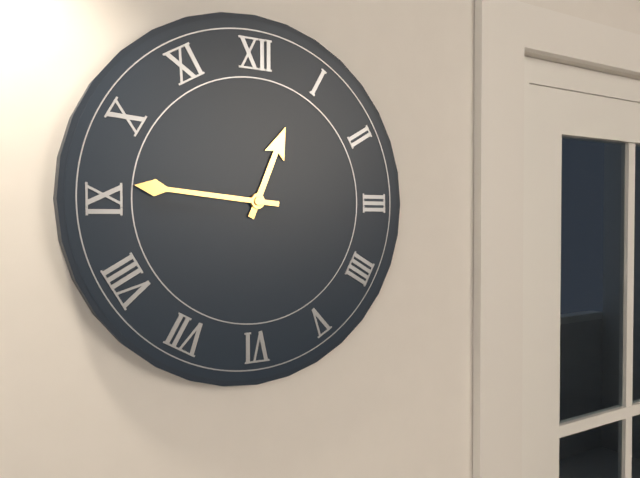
**12:46**
